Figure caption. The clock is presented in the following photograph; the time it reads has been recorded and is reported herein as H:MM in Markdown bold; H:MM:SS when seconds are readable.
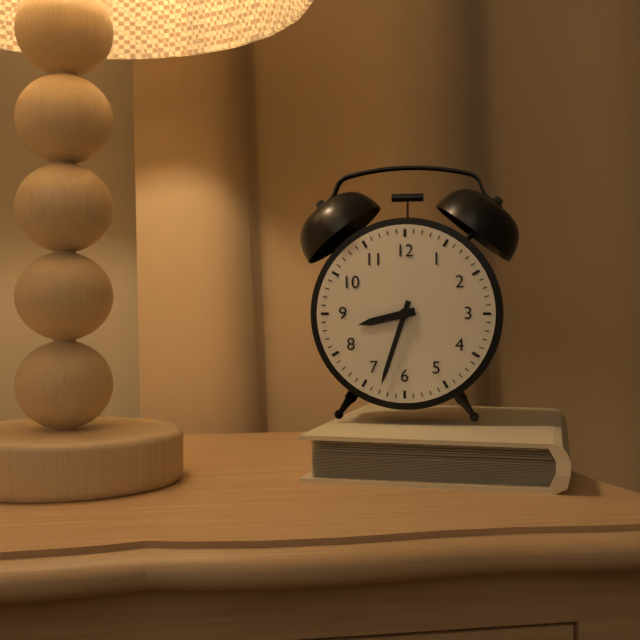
**8:33**
